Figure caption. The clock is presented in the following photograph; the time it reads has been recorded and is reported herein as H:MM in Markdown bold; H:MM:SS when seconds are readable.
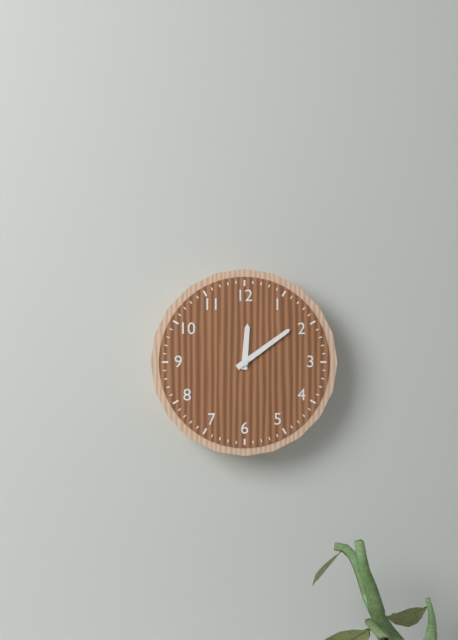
**12:09**
